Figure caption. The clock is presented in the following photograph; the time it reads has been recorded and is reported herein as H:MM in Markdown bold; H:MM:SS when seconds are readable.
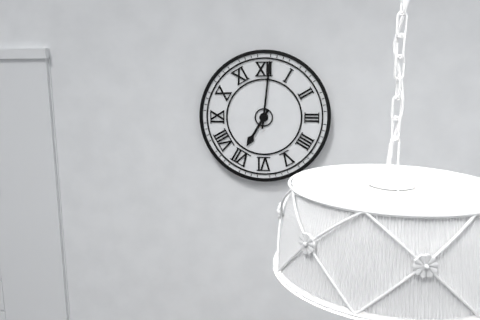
**7:01**
